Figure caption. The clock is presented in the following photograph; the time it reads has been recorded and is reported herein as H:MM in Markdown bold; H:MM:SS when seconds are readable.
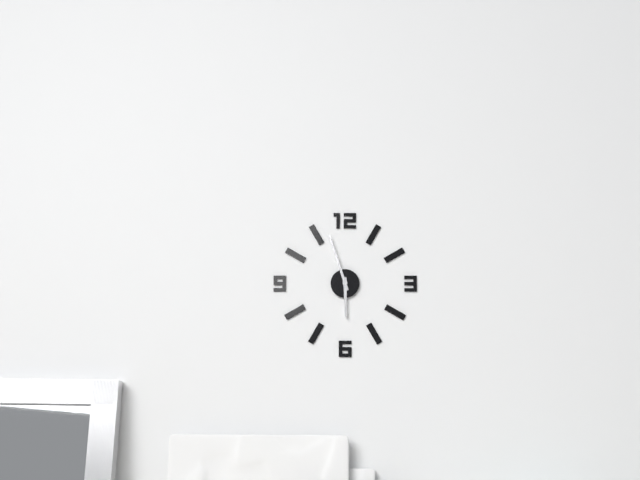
**5:57**
